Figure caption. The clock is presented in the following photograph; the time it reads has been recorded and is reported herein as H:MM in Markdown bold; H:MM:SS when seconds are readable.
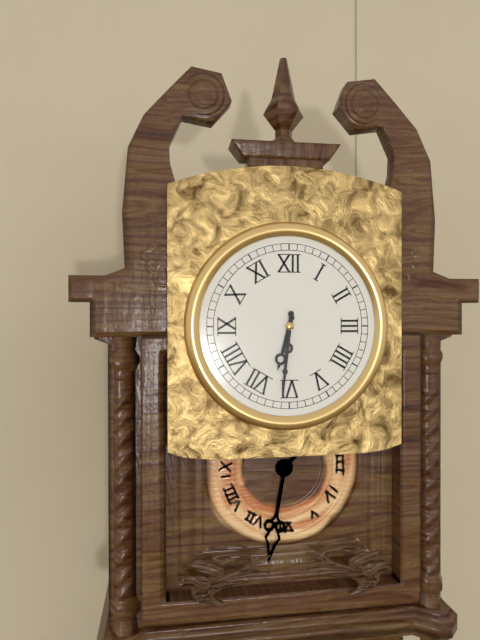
**6:31**
